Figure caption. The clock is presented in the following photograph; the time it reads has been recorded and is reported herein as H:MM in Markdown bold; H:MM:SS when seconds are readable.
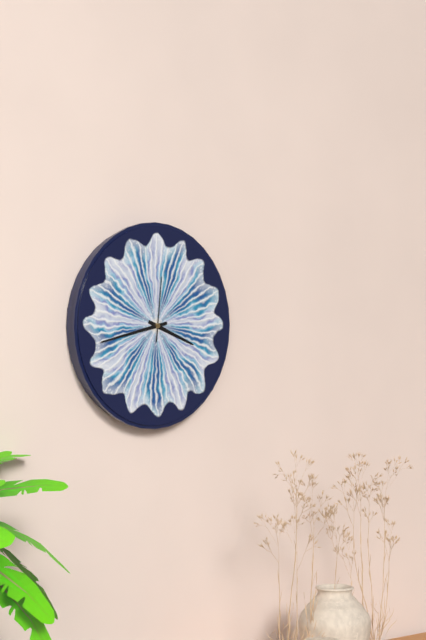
**3:43:01**
